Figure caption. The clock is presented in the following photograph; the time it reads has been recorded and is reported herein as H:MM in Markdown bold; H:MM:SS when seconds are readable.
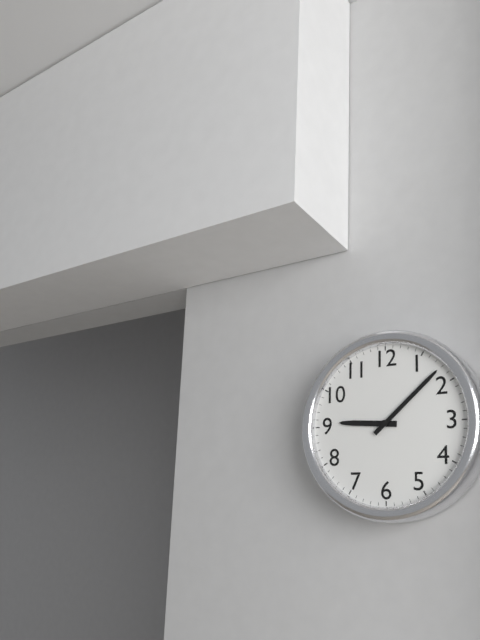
**9:08**
